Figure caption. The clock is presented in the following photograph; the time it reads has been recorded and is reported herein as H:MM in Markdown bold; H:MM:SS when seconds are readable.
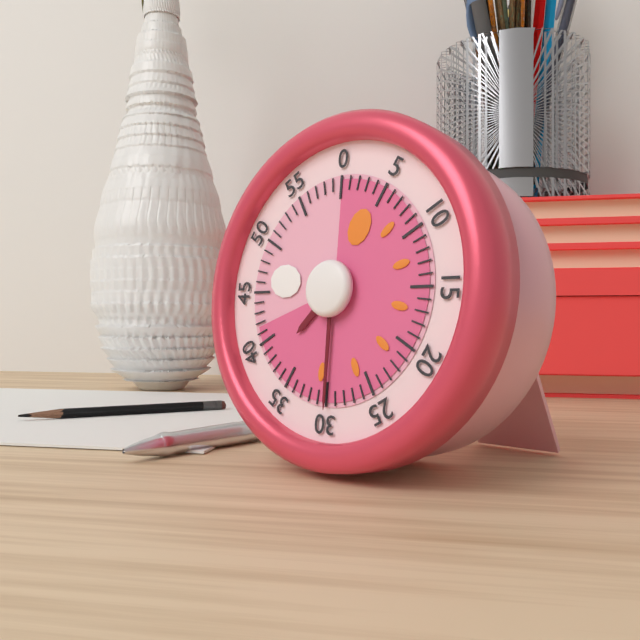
**7:30**
